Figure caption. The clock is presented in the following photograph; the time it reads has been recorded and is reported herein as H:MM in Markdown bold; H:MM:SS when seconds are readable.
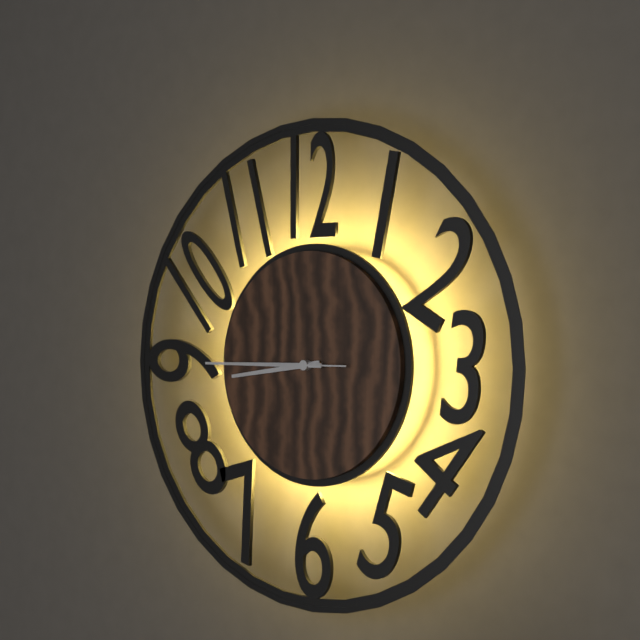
**8:45:45**
